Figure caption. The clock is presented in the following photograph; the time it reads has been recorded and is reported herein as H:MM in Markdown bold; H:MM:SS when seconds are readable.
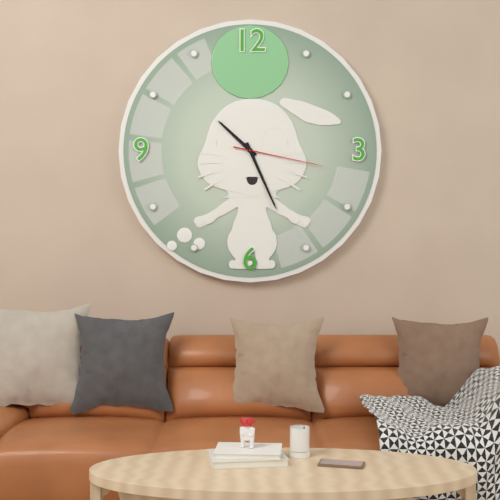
**10:26:17**
